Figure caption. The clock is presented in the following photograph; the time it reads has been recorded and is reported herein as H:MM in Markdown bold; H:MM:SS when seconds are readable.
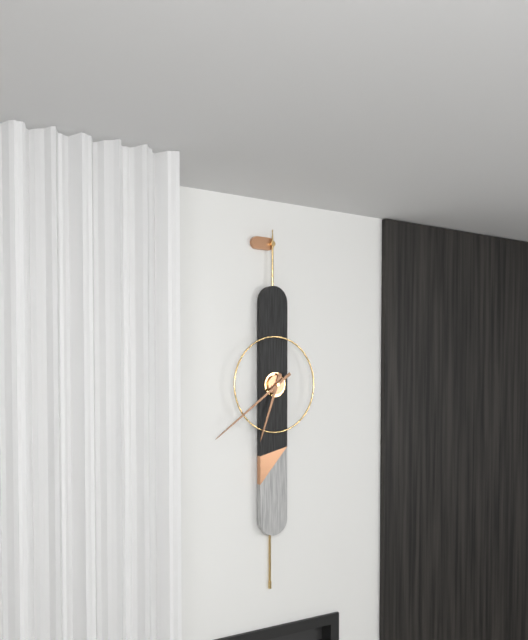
**6:39**
